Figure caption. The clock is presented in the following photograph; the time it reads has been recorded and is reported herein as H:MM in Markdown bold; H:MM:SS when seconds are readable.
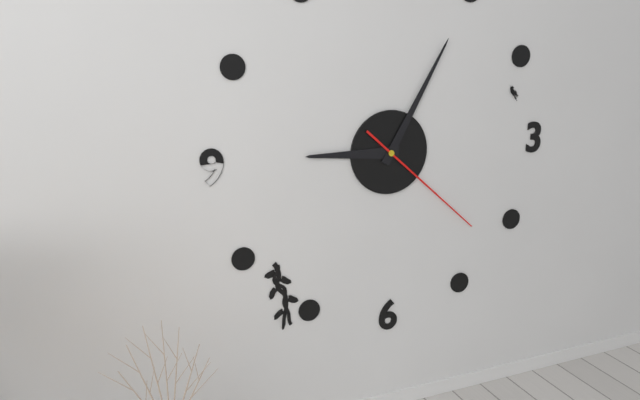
**9:05:22**
